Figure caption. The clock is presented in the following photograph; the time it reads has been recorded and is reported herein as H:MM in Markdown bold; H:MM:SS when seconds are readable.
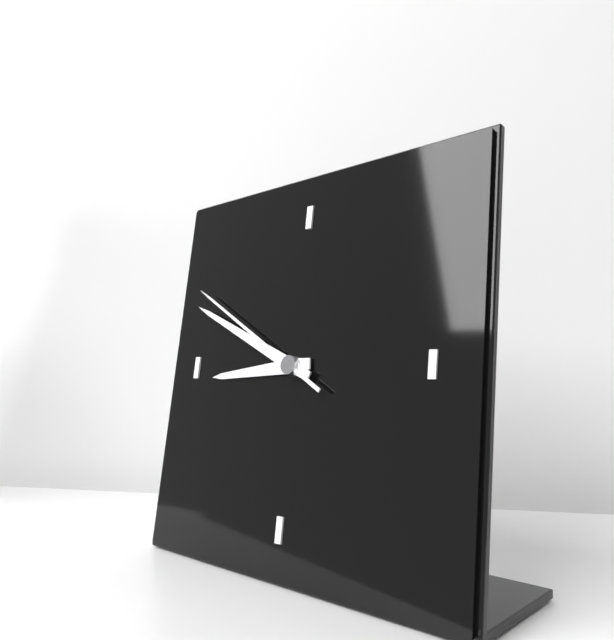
**8:49:50**
